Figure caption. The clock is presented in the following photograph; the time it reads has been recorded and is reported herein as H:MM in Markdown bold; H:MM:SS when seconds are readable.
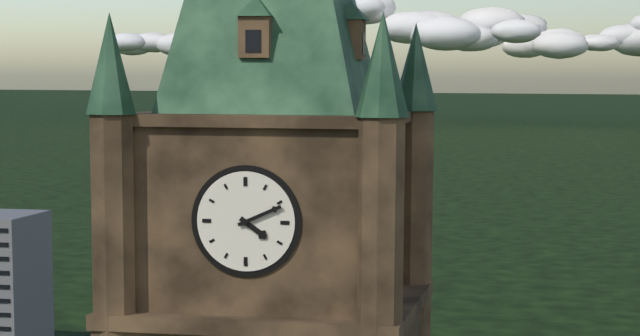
**4:11**
